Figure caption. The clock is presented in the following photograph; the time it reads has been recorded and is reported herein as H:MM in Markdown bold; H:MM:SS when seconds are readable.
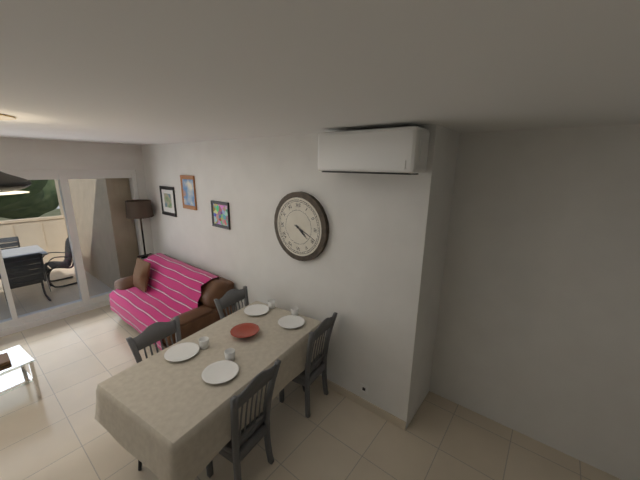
**4:19**
